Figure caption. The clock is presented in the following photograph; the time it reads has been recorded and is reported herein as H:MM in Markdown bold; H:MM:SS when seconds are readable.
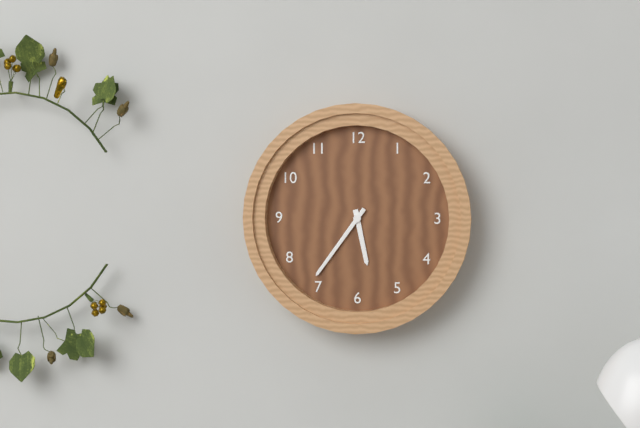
**5:36**
